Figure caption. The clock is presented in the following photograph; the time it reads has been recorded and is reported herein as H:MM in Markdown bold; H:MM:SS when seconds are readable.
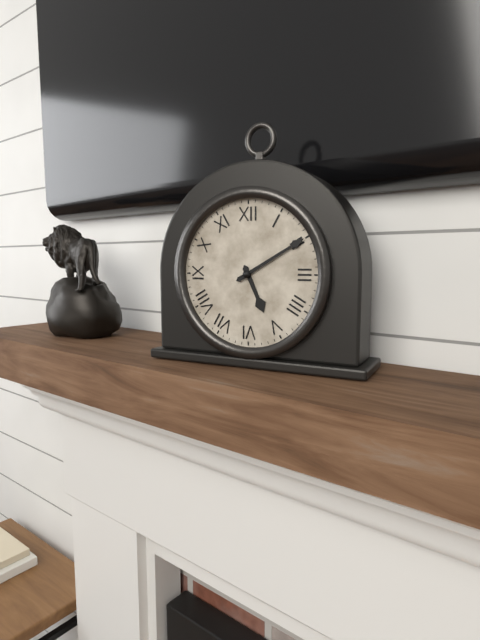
**5:10**
